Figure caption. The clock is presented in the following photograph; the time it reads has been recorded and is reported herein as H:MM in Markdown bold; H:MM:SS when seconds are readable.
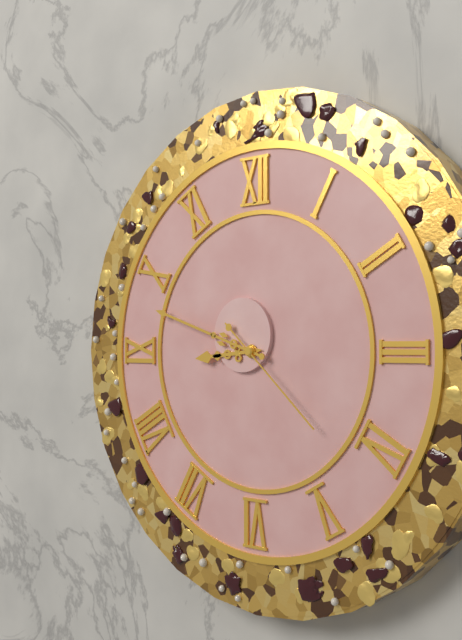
**8:48:22**
